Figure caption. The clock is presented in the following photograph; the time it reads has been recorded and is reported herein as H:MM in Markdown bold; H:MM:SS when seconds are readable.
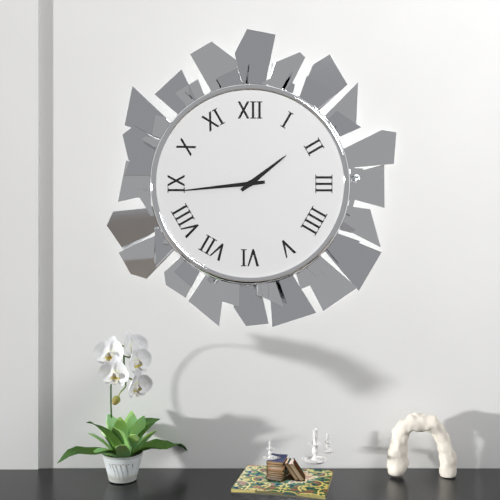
**1:44**
